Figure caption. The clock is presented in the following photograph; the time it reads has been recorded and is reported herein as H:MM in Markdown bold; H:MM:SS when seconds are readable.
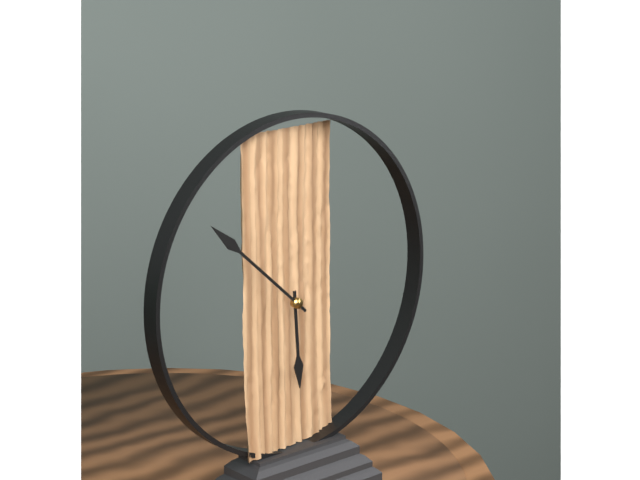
**5:52**
